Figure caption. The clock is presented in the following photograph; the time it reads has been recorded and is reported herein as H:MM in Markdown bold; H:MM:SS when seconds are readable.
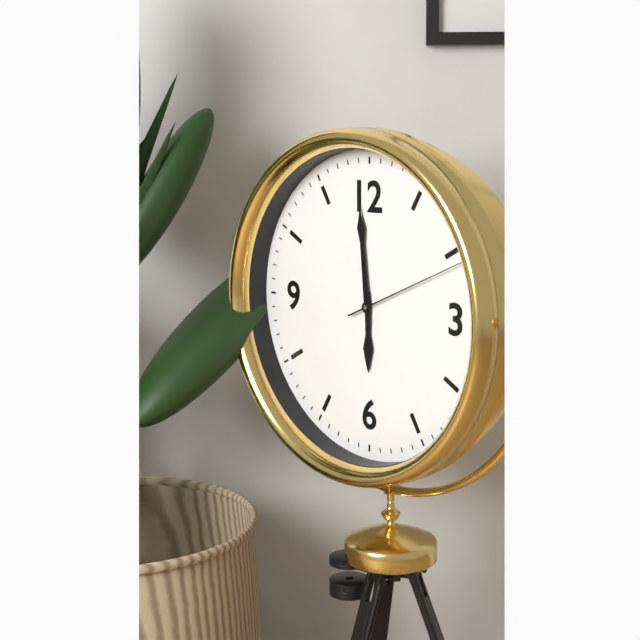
**5:59:11**
